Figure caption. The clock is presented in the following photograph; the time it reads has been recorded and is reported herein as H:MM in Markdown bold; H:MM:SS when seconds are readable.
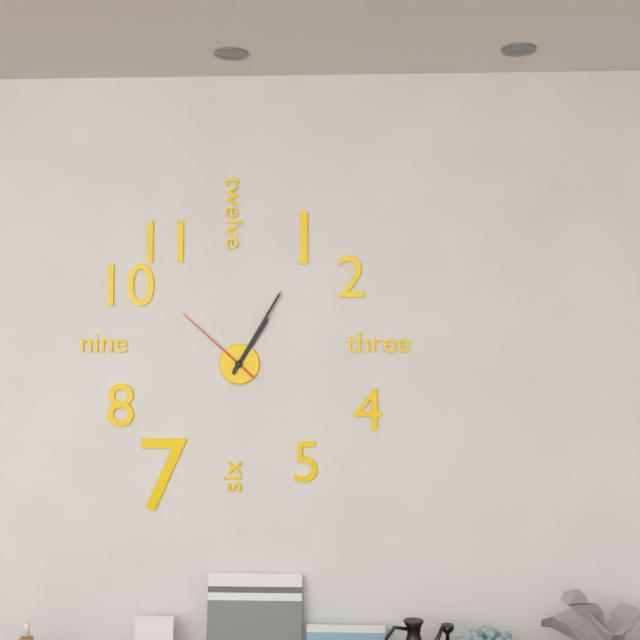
**1:05:52**
